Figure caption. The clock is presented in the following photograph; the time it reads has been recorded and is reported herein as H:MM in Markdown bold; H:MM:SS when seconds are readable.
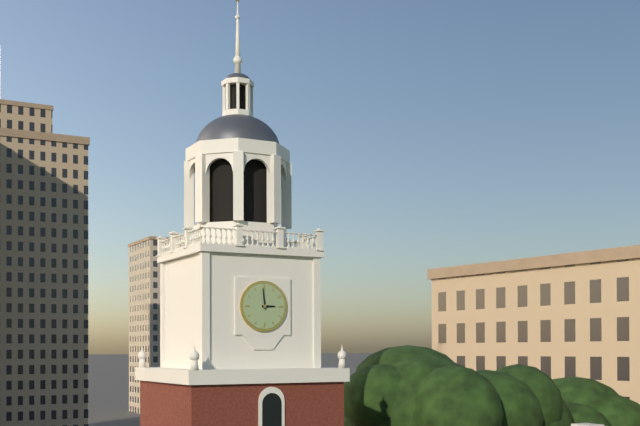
**2:59**
